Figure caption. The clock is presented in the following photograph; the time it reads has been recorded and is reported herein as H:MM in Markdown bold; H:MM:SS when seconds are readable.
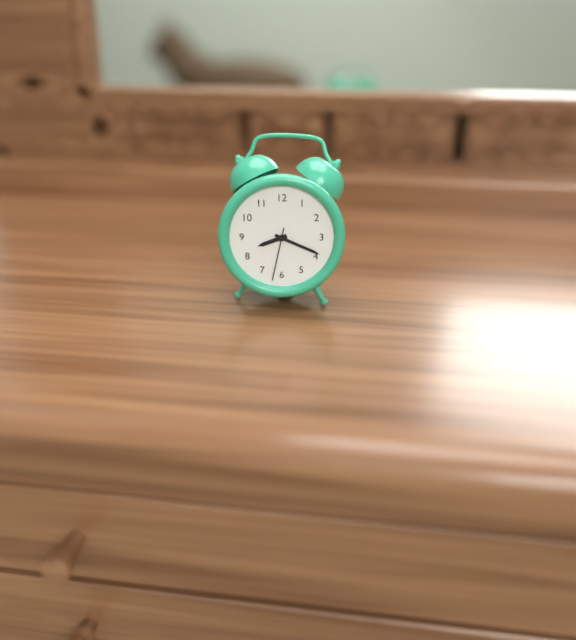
**8:19:32**
